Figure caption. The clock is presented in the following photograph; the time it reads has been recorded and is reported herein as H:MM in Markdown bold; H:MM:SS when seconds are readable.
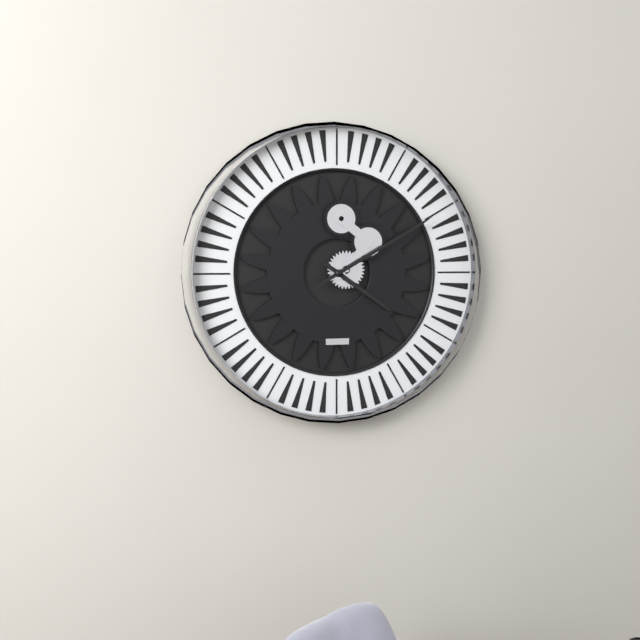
**4:10**
